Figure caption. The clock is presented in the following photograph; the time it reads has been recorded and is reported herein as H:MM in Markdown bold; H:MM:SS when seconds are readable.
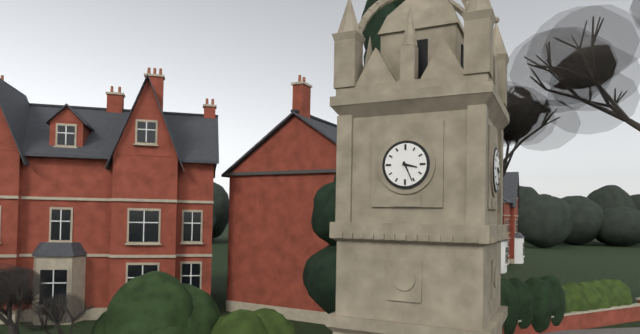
**3:26**
